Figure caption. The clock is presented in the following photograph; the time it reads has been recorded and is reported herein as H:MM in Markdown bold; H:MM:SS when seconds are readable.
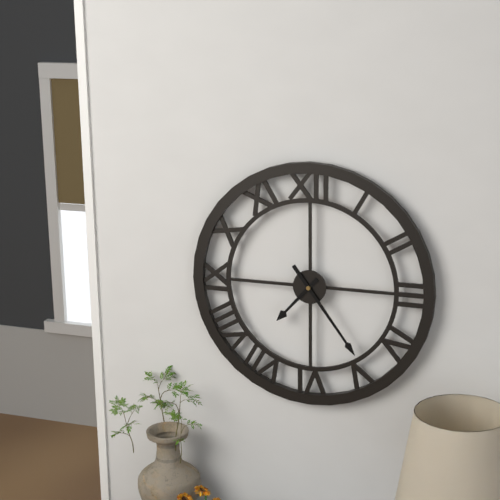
**7:24**
